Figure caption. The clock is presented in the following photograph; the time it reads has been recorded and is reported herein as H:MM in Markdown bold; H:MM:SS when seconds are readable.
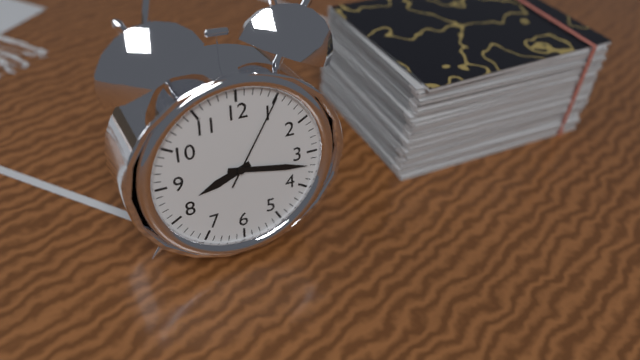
**8:17:05**
